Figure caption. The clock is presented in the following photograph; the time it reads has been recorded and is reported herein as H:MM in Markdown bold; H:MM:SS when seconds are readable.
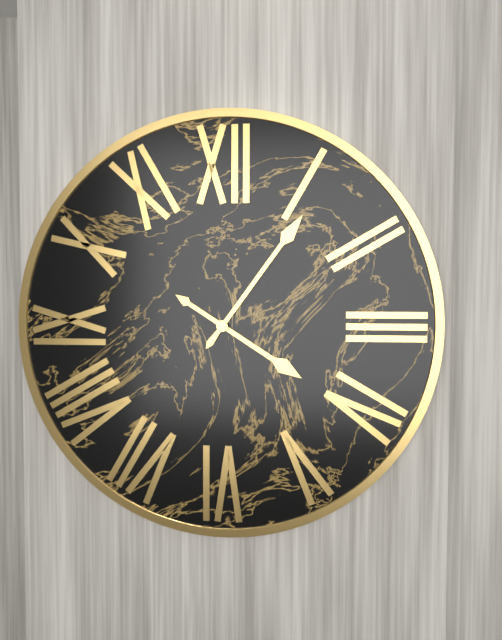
**4:06**
